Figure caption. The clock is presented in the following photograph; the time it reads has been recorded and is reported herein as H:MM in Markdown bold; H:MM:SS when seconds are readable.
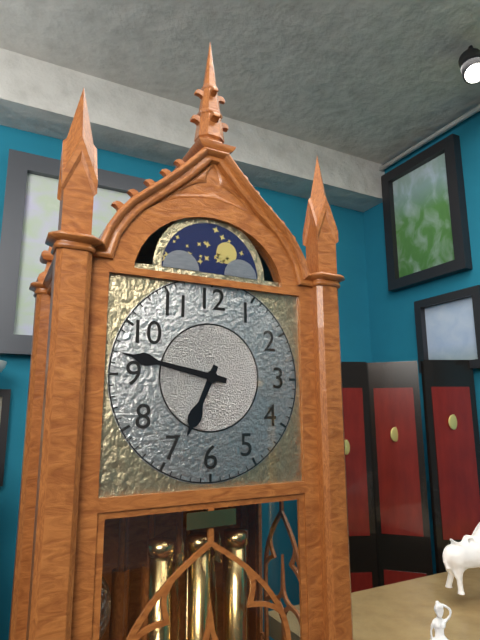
**6:47**
